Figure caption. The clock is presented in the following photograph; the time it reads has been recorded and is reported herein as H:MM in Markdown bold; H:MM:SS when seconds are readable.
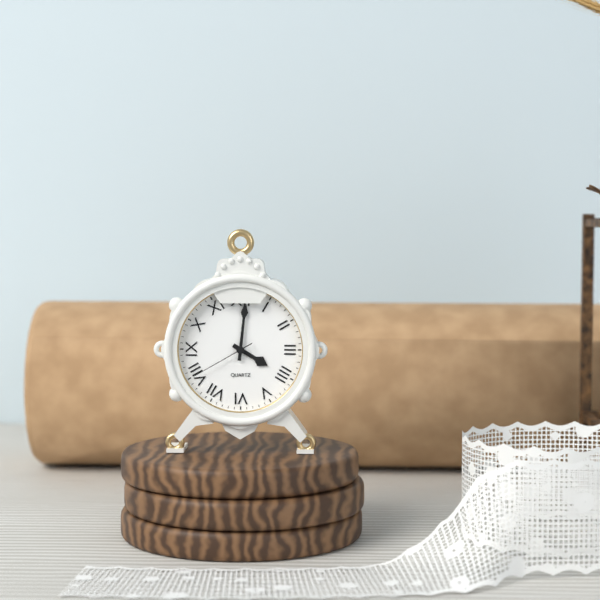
**4:01:40**
